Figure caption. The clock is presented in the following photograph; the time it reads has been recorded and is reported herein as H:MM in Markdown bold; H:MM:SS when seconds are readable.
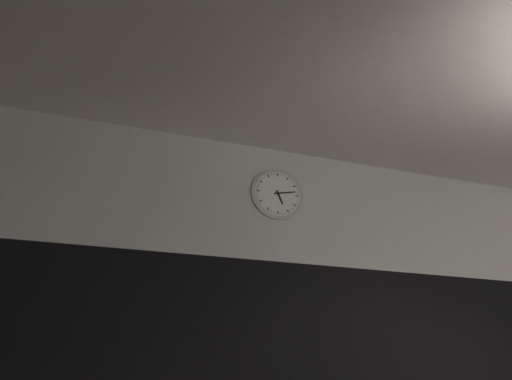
**5:13**
